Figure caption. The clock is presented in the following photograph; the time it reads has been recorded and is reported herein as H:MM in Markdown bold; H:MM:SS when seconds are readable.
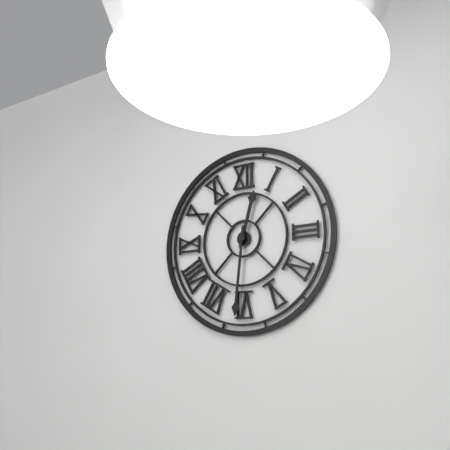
**12:31**
